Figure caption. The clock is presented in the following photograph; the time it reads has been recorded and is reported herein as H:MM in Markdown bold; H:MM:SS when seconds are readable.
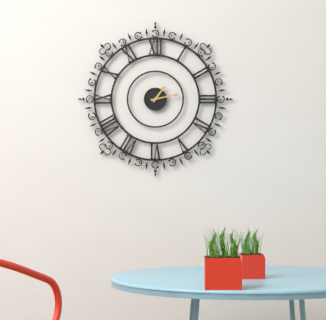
**1:13**
